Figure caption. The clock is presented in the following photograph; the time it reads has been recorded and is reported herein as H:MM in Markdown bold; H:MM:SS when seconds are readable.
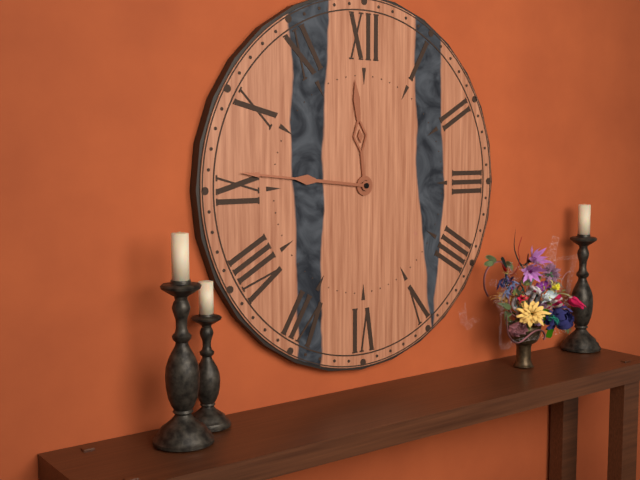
**11:46**
